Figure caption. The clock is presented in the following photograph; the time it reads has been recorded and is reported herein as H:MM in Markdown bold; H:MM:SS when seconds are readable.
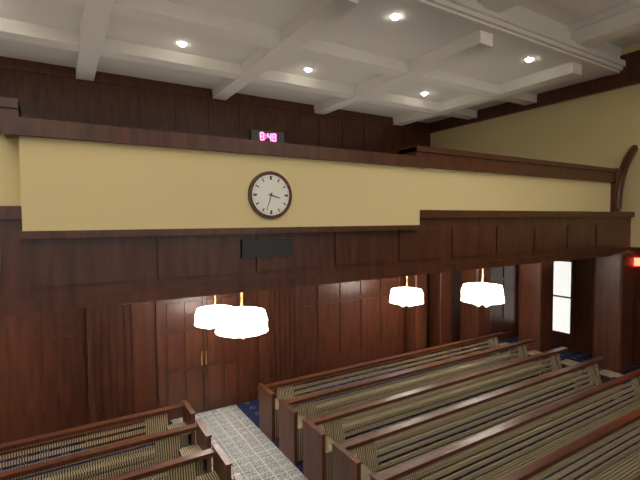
**3:33**
